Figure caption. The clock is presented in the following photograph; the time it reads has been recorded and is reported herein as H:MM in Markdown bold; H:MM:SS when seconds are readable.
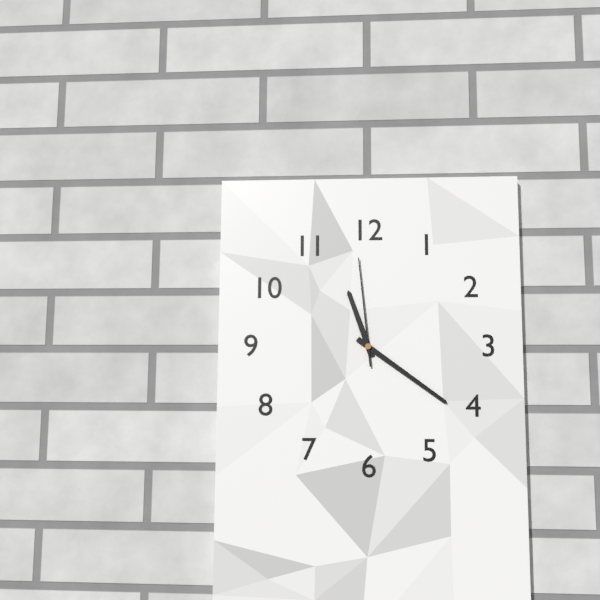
**11:21:59**
